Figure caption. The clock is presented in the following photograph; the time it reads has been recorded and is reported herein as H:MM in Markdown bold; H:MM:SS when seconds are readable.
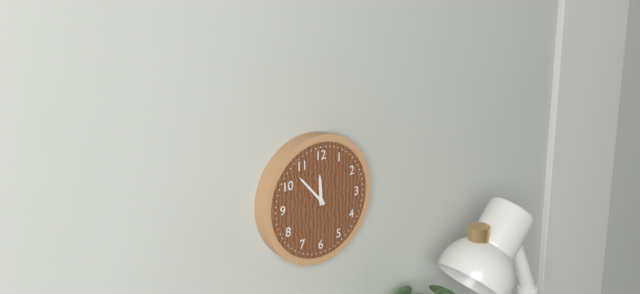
**11:53**
